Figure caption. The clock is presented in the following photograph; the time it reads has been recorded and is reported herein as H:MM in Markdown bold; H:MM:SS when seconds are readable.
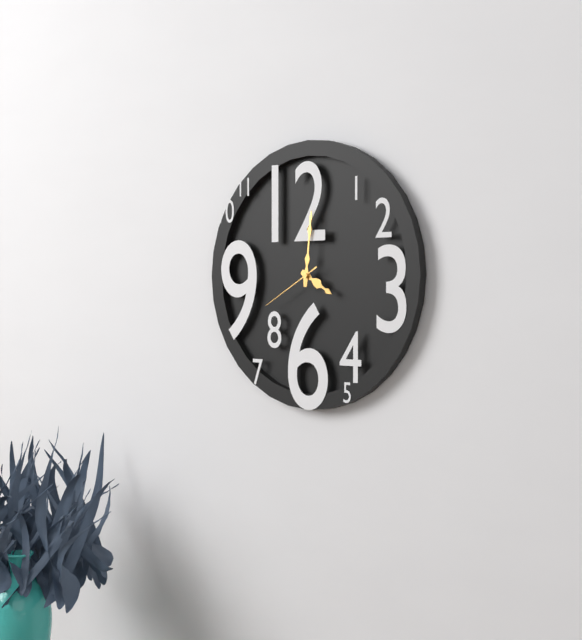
**4:01:40**
